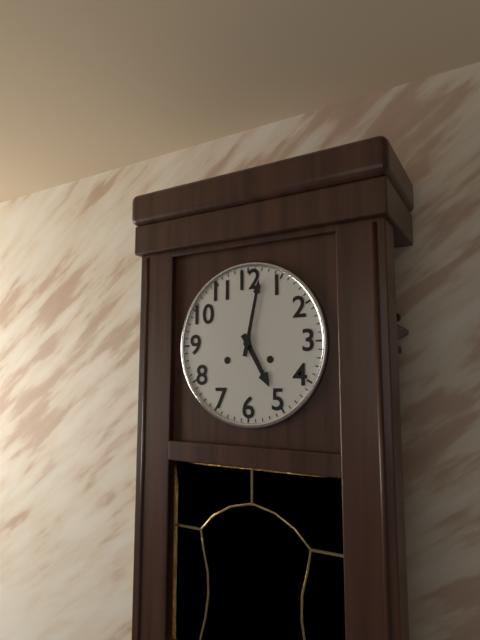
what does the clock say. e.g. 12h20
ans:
5h02
